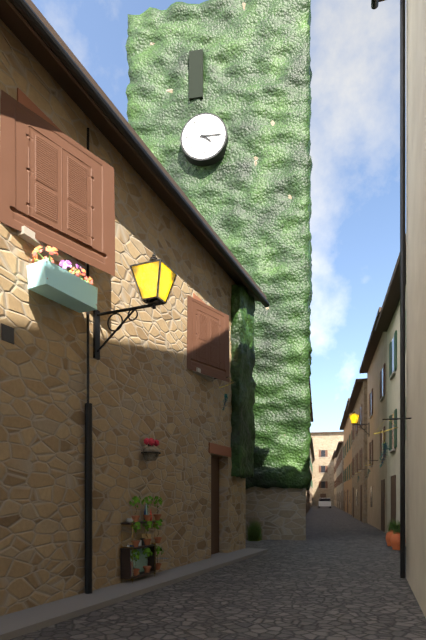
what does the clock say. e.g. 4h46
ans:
4h15
